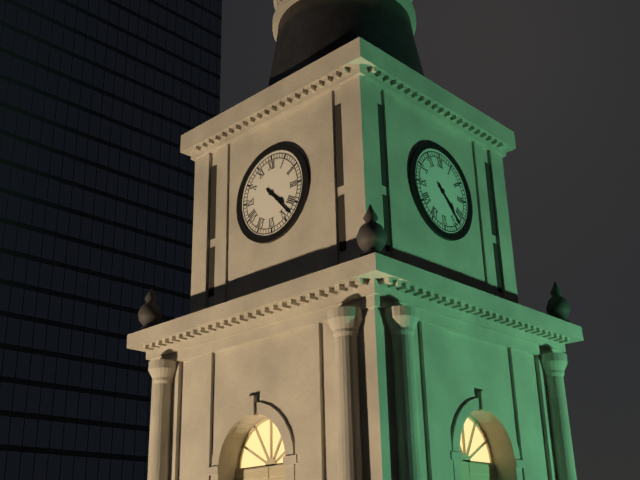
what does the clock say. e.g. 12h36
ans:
4h23
